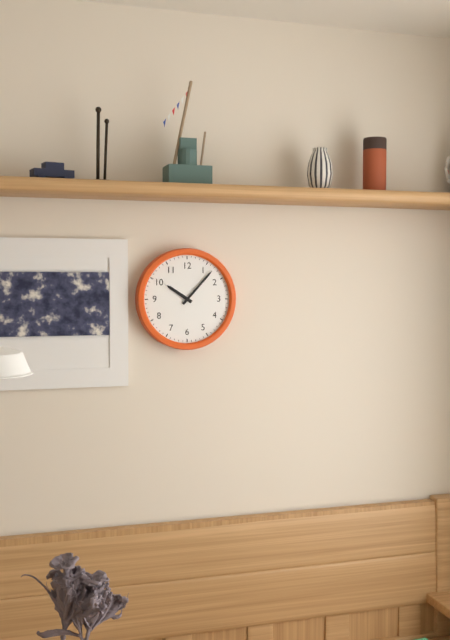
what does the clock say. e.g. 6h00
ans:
10h07
